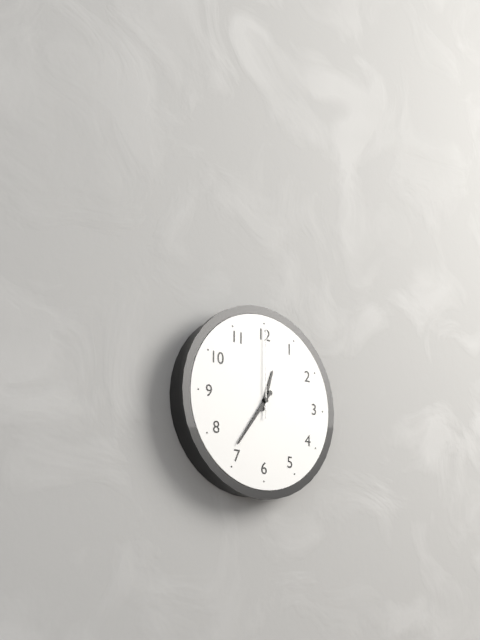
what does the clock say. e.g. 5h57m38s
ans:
12h36m00s
